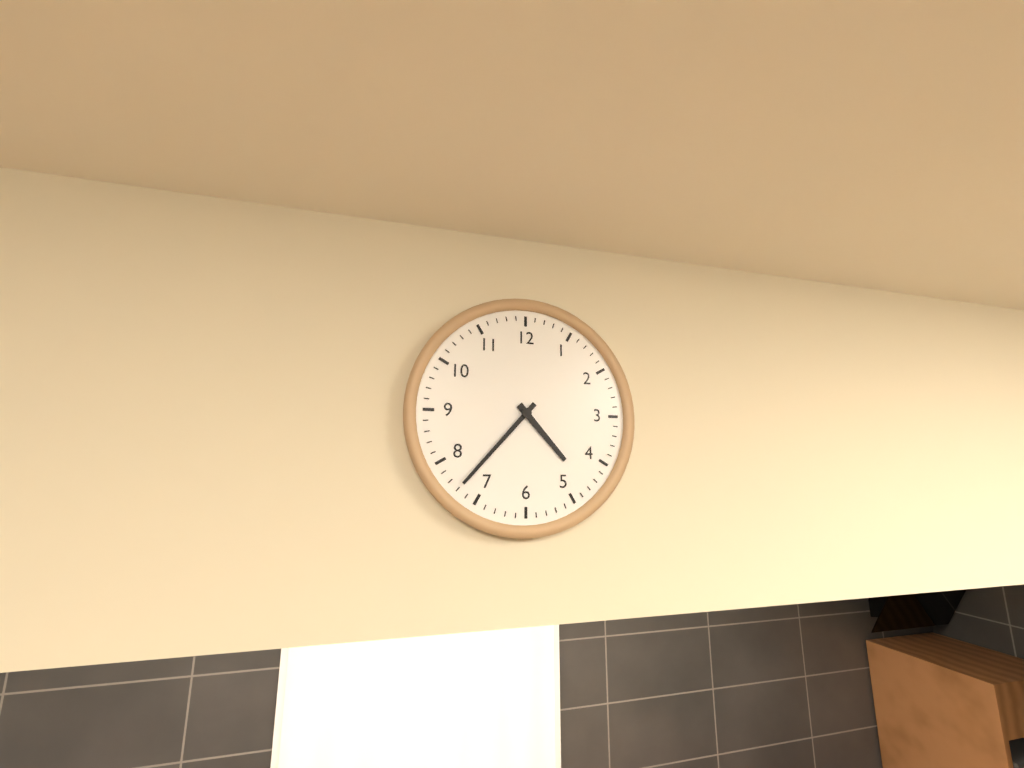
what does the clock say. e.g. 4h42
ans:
4h37
